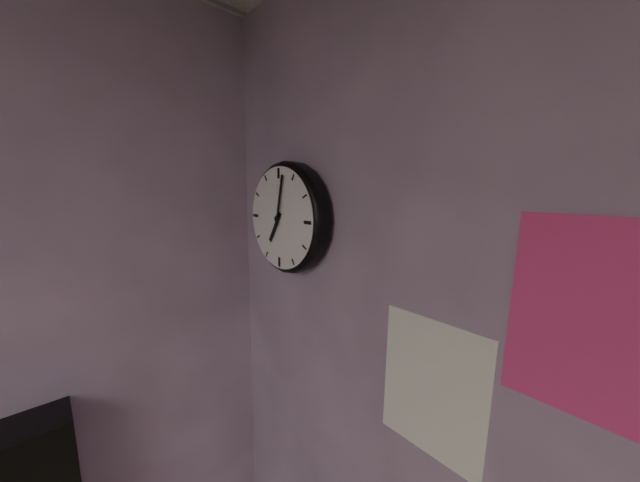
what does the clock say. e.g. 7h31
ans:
7h02
